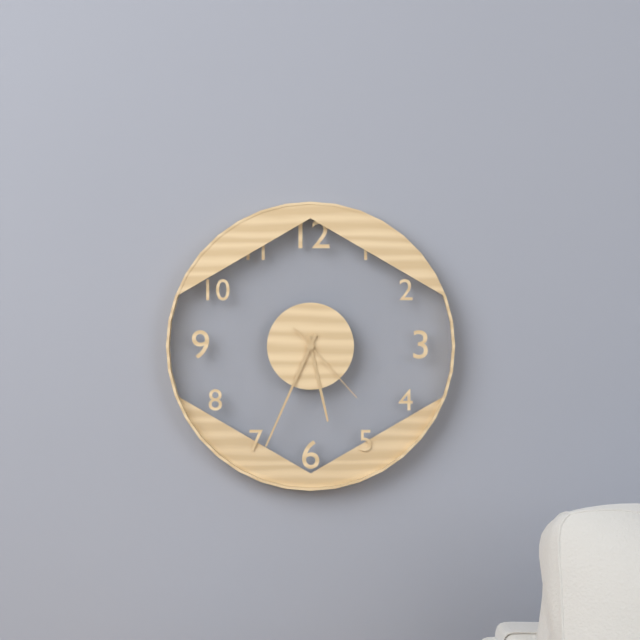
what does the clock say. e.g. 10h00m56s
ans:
5h34m23s
